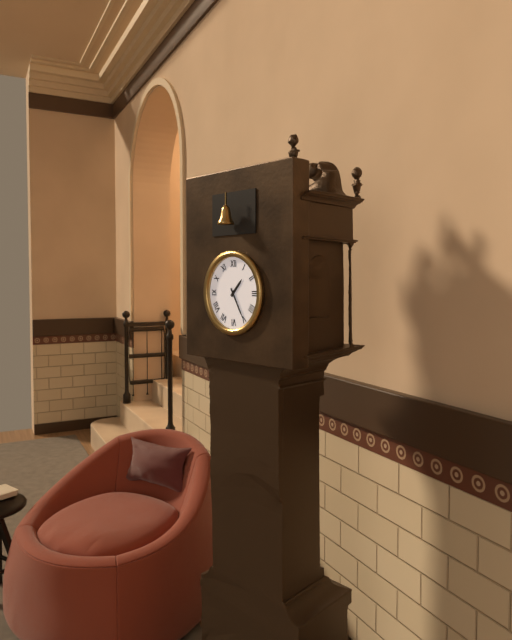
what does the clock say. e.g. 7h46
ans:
1h25
